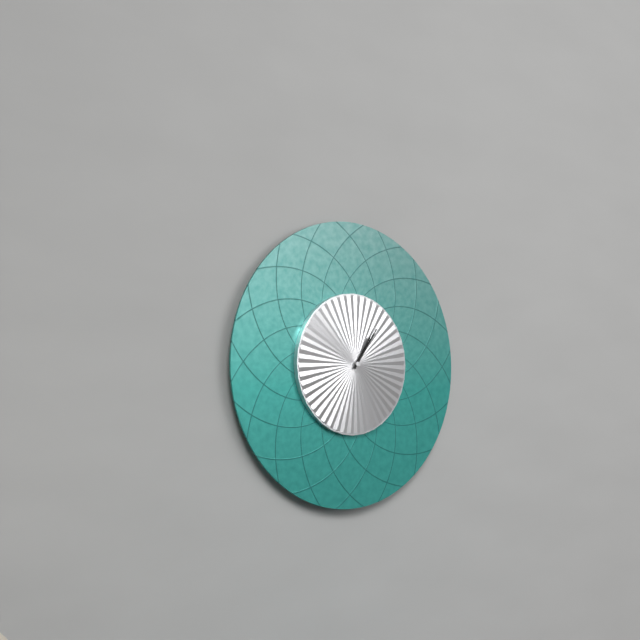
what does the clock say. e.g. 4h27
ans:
1h06
